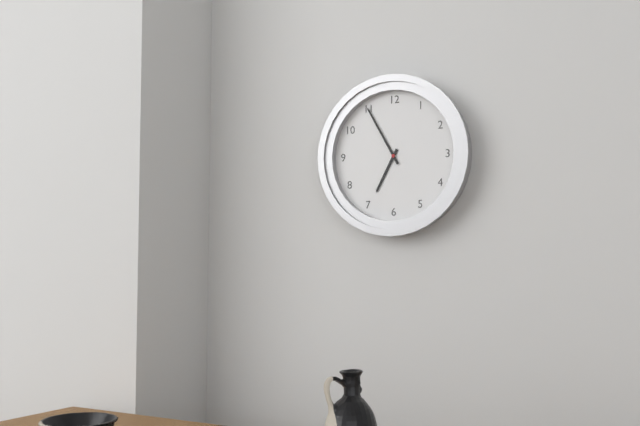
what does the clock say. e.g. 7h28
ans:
6h55
